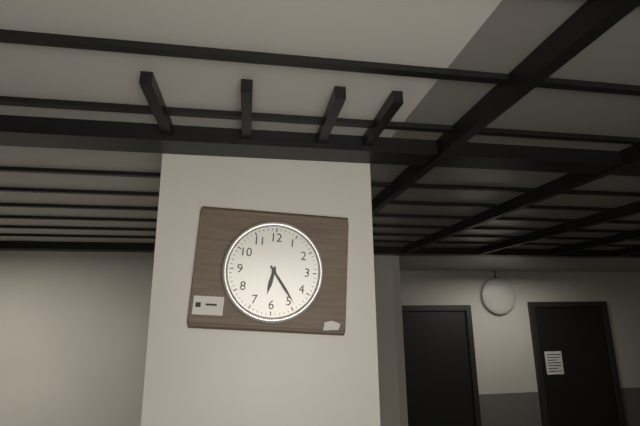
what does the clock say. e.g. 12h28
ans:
6h24
